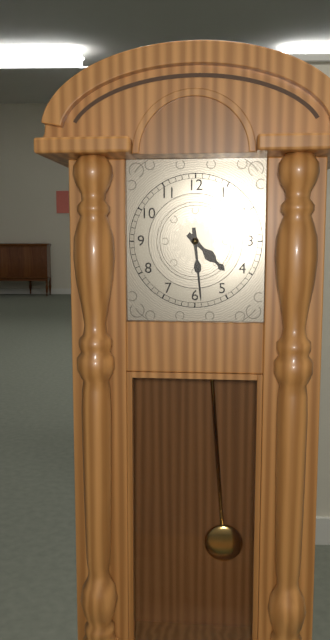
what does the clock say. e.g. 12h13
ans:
4h29
